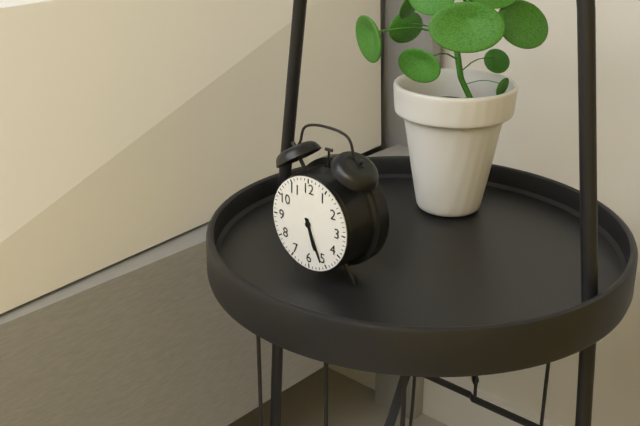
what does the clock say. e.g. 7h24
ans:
5h26
